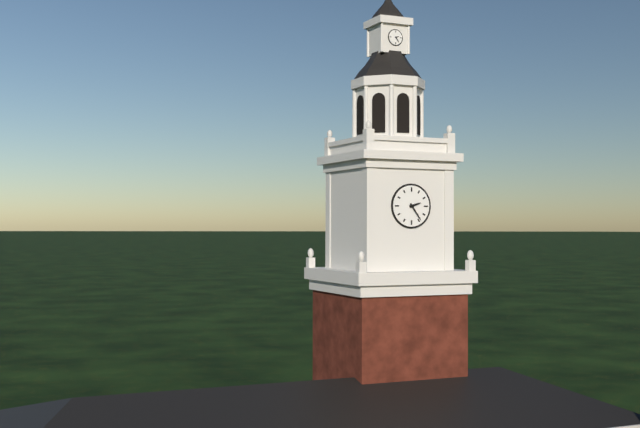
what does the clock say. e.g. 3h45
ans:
2h24
